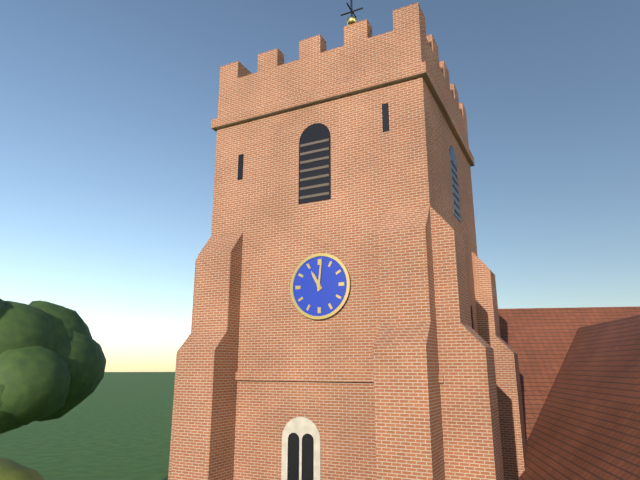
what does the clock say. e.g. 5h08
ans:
11h01
